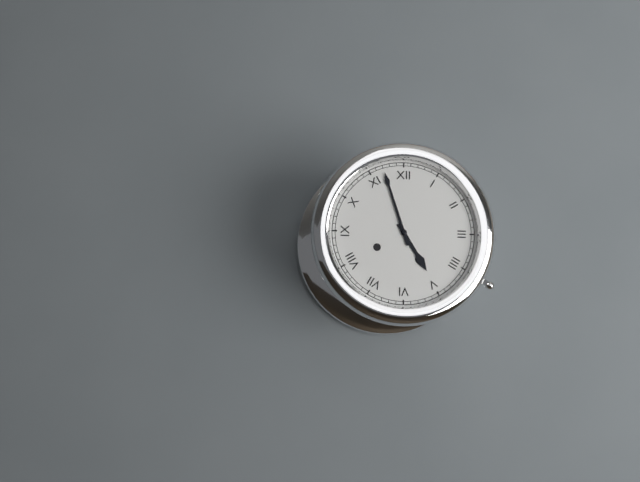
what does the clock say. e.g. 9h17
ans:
4h57
